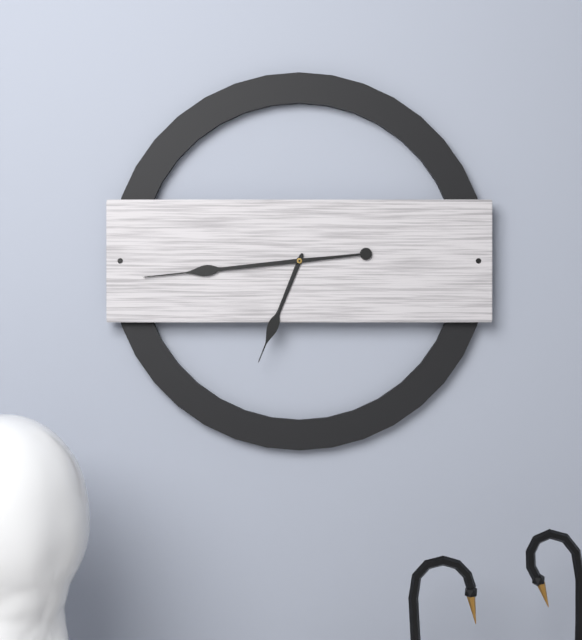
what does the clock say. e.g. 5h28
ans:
6h44
